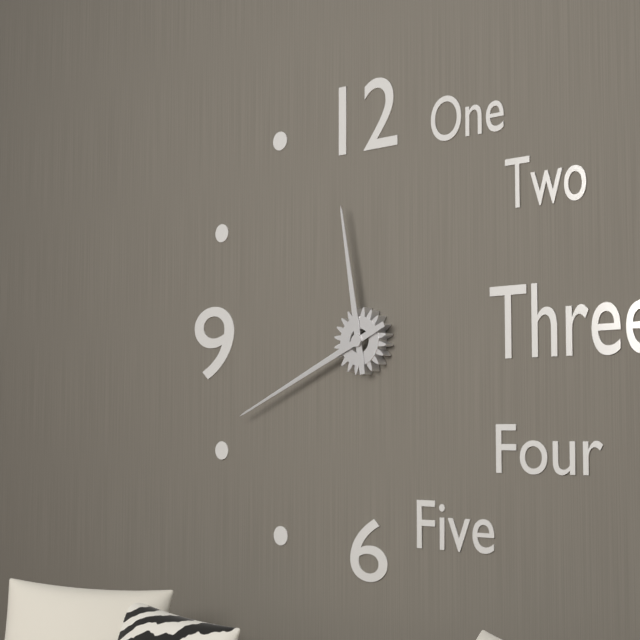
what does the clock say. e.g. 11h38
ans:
11h41
